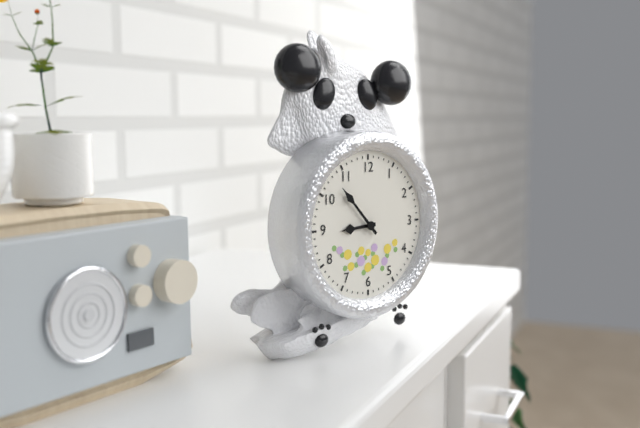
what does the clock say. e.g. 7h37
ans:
8h53
